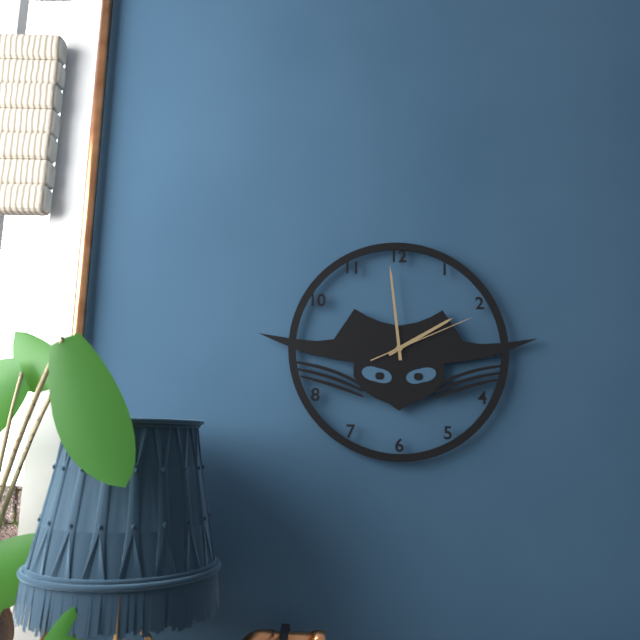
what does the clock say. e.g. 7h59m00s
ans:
1h59m11s
